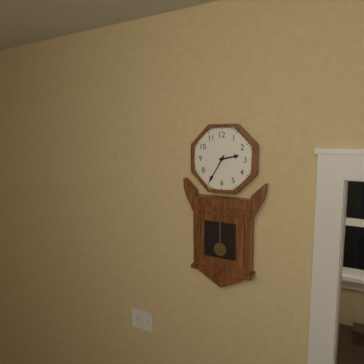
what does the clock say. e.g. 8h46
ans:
2h35
